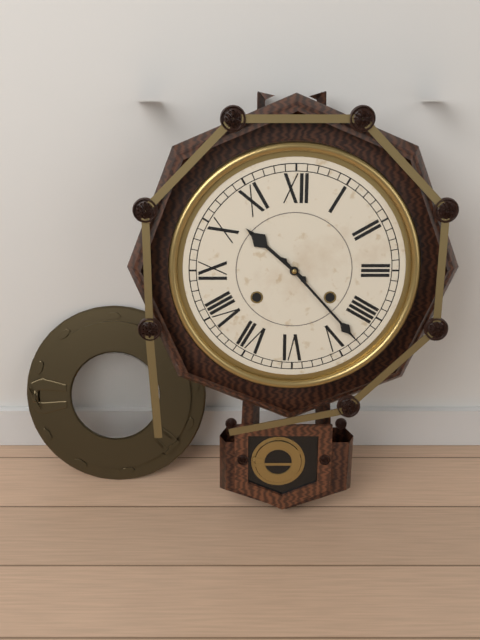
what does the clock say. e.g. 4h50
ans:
10h23
